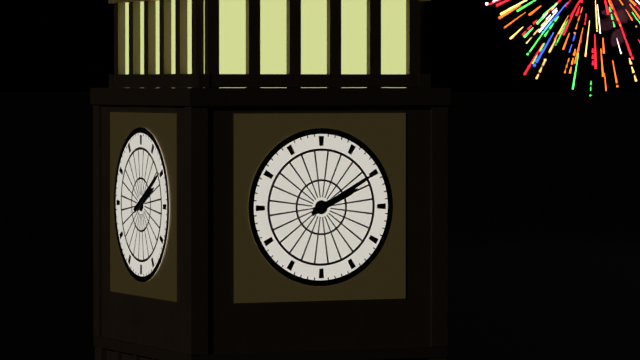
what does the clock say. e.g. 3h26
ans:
2h10
